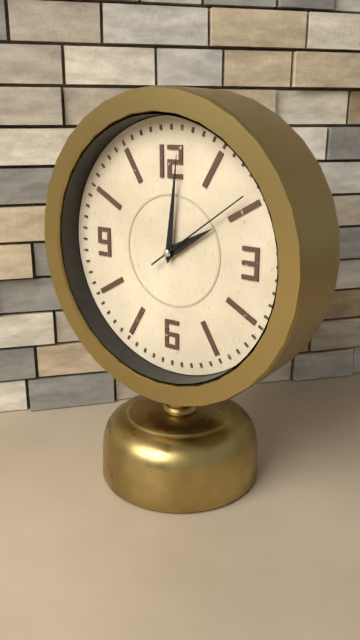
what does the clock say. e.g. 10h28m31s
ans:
2h01m09s
